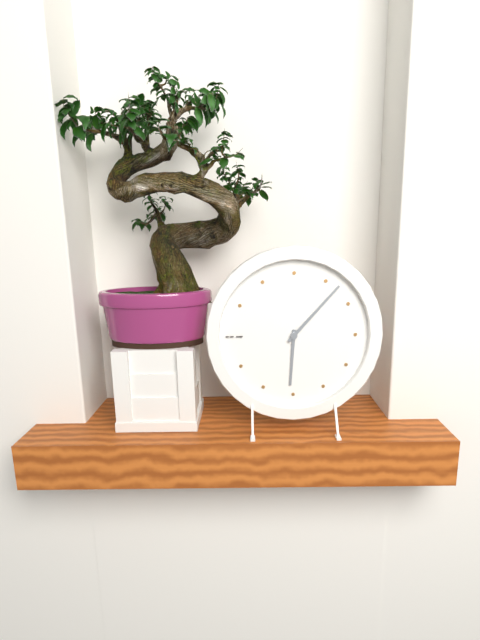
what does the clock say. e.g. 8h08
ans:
6h07
